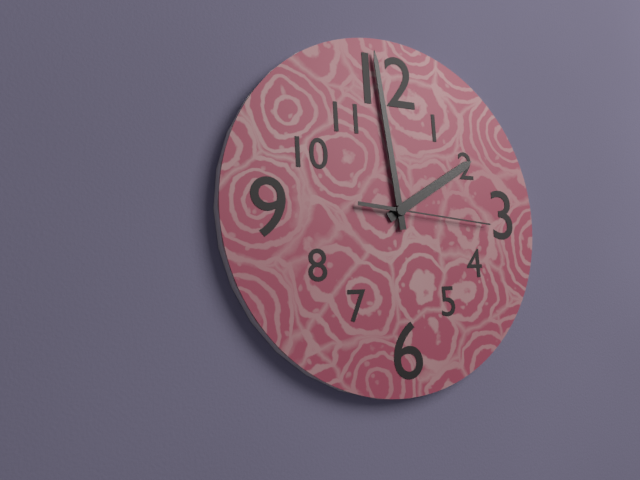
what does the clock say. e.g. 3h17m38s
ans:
1h59m16s
